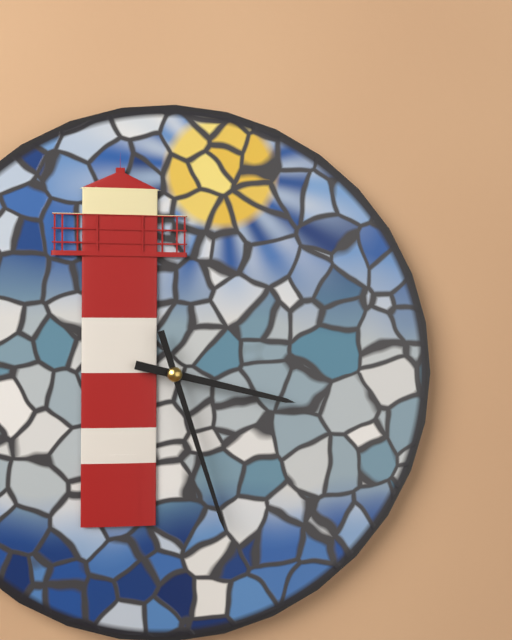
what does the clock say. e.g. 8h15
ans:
3h27
